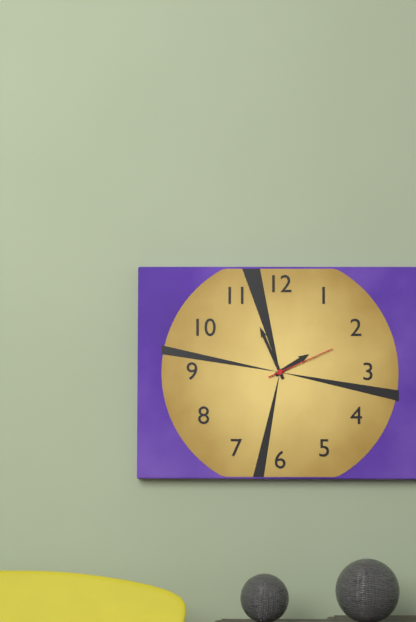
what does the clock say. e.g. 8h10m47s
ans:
1h56m11s
